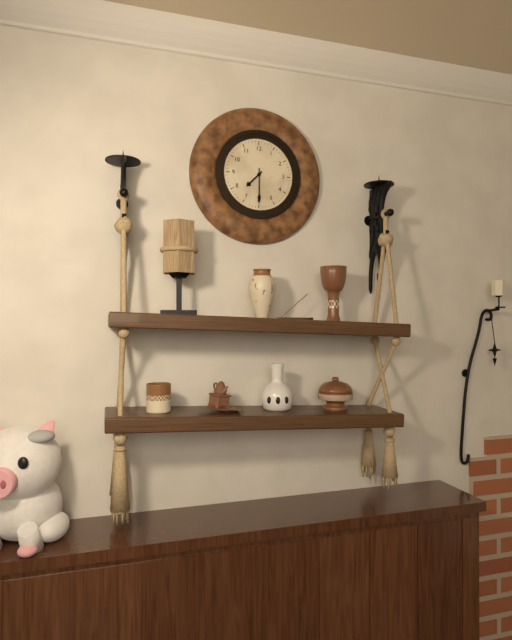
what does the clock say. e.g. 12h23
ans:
7h30
